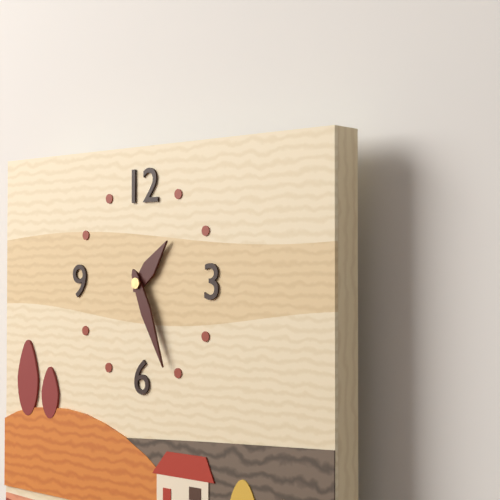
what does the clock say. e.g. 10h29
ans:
1h26
